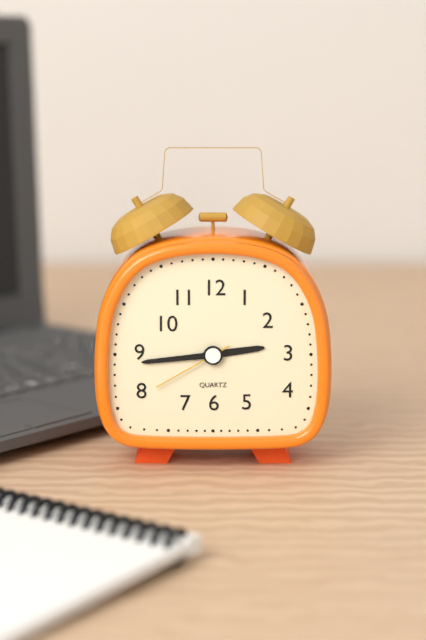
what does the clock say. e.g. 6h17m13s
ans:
2h44m40s
